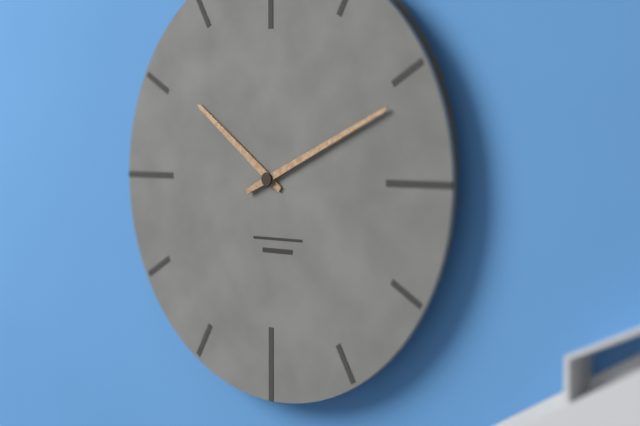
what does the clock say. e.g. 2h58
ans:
10h11
